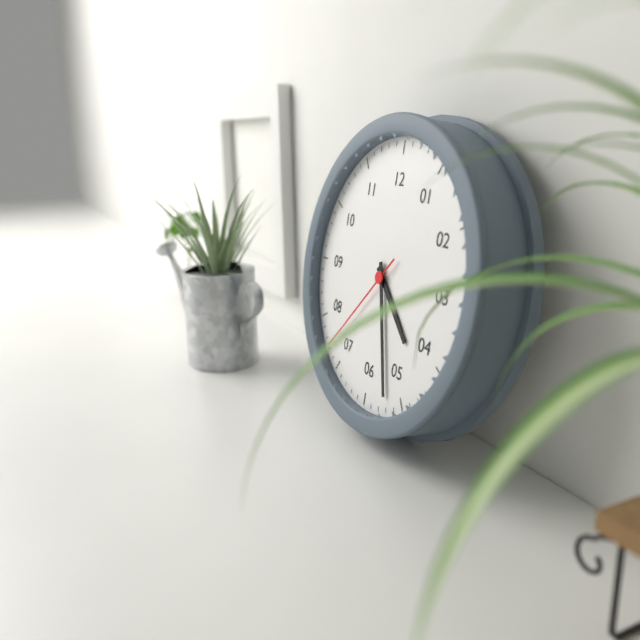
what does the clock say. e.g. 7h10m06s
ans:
4h27m37s
